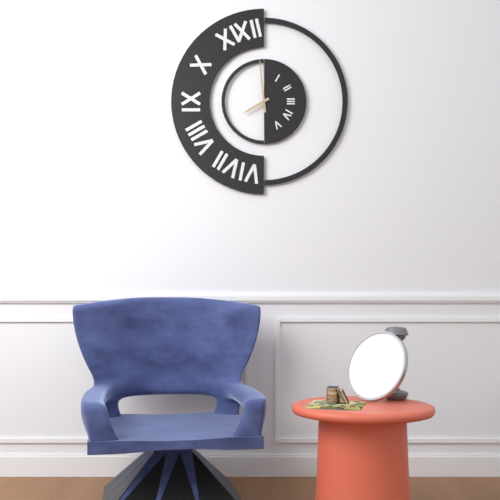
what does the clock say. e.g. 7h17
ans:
7h59
